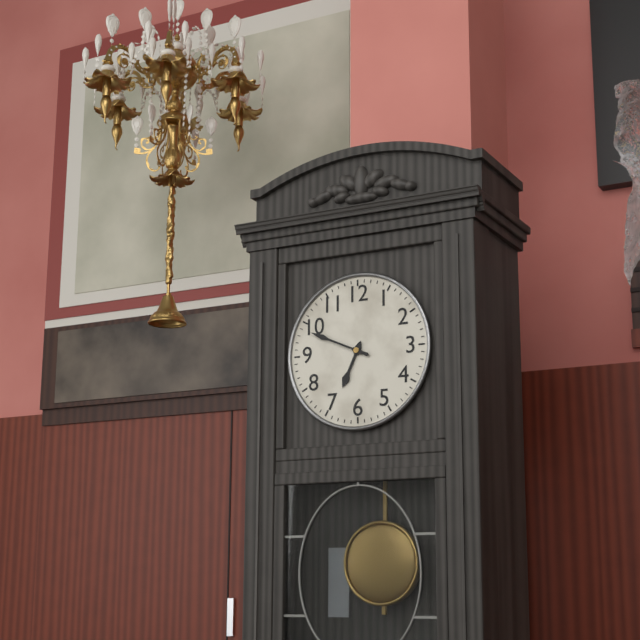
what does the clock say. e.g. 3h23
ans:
6h49
